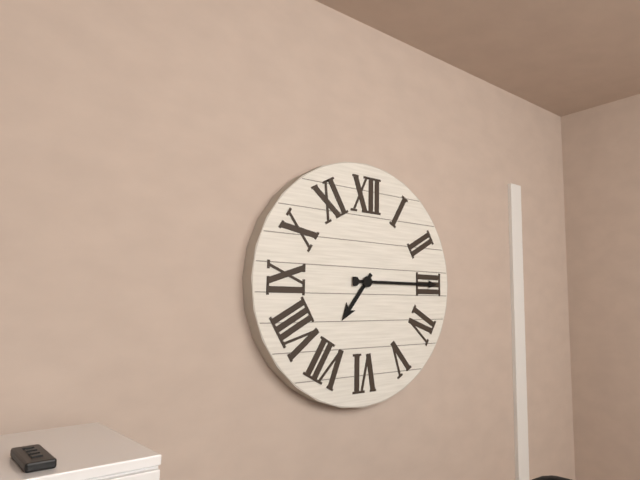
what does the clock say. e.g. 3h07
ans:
7h15
